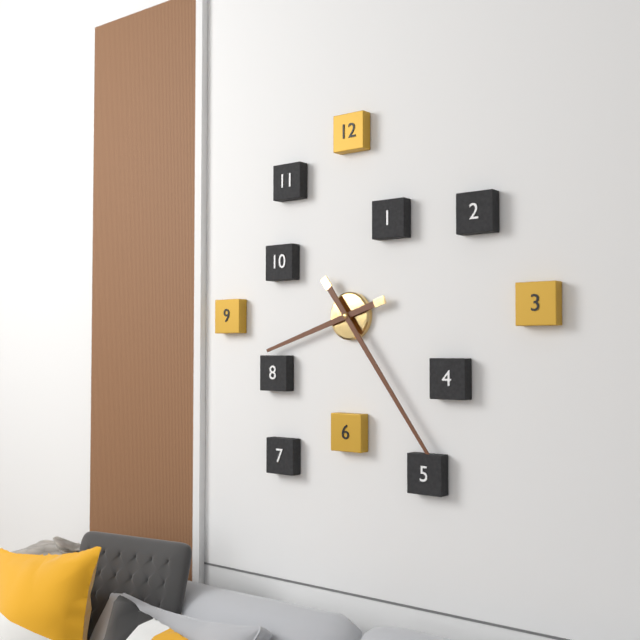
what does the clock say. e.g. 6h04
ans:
8h24
